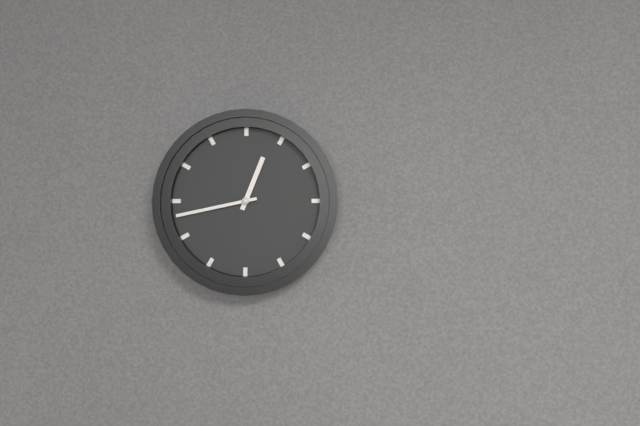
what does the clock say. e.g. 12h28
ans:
12h43
